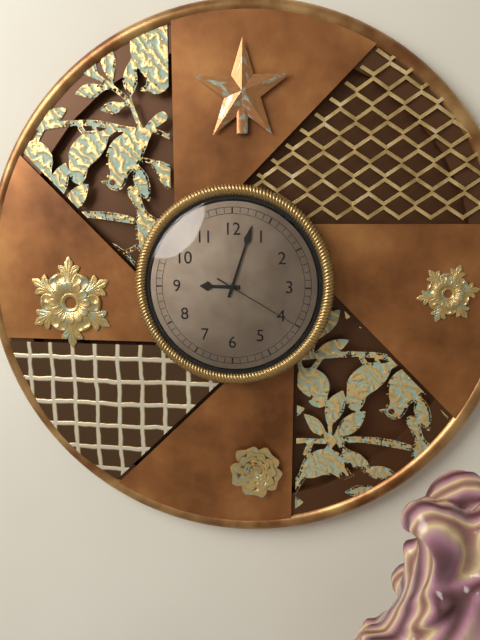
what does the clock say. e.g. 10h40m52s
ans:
9h03m20s
